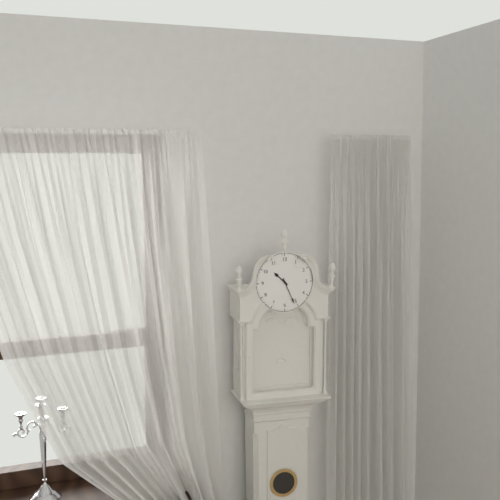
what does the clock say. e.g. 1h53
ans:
10h26
